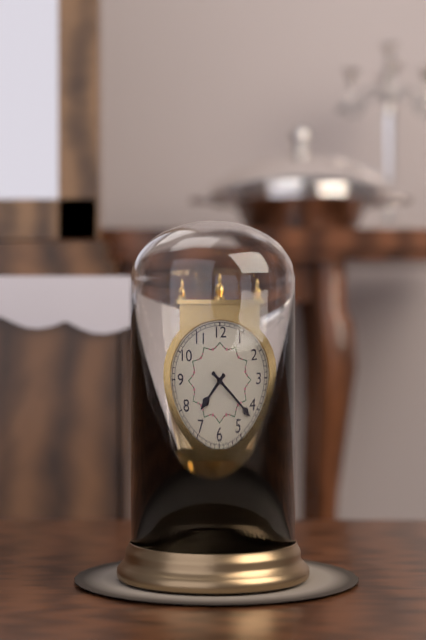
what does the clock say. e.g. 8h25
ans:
7h22
